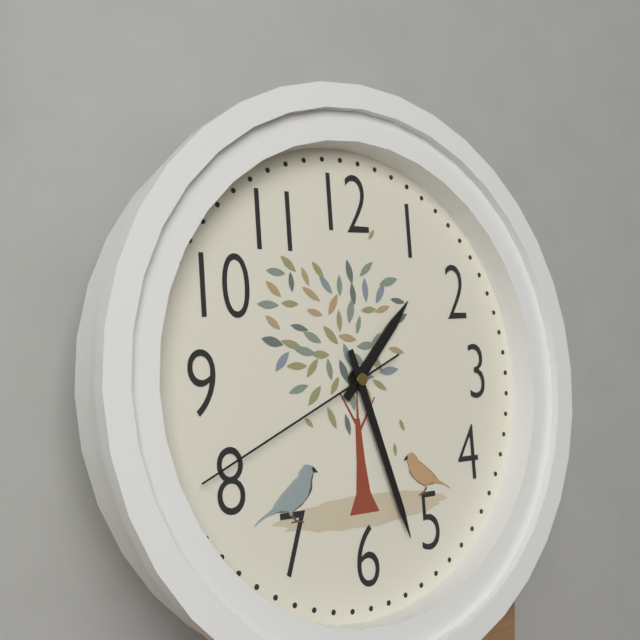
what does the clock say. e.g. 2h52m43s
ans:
1h27m41s
